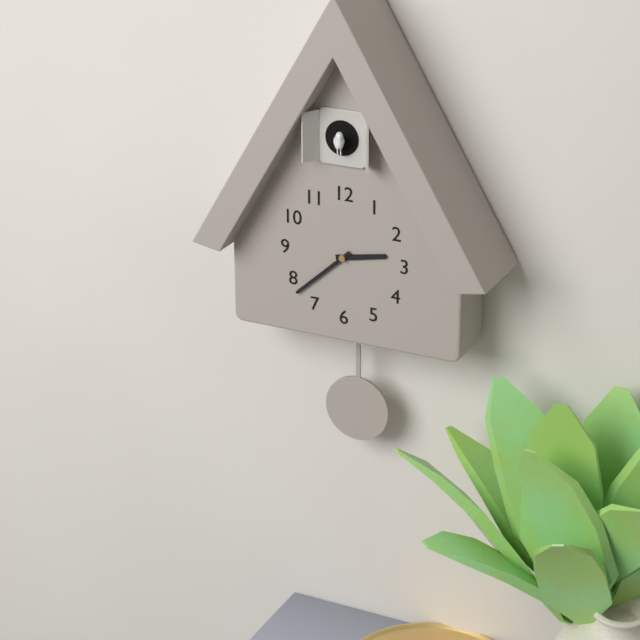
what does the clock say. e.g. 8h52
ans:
2h38
